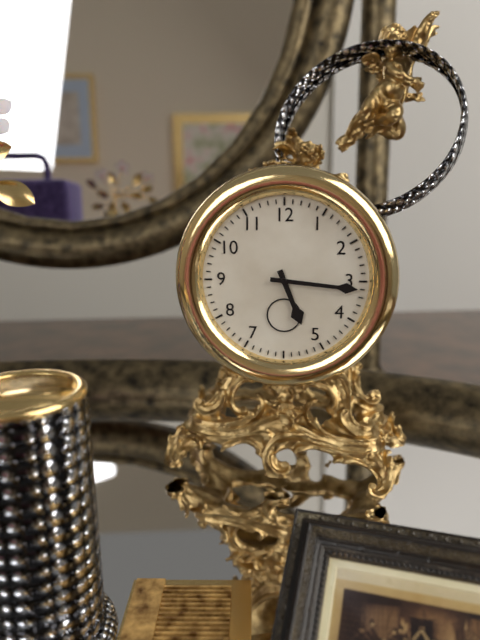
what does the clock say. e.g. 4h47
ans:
5h16
